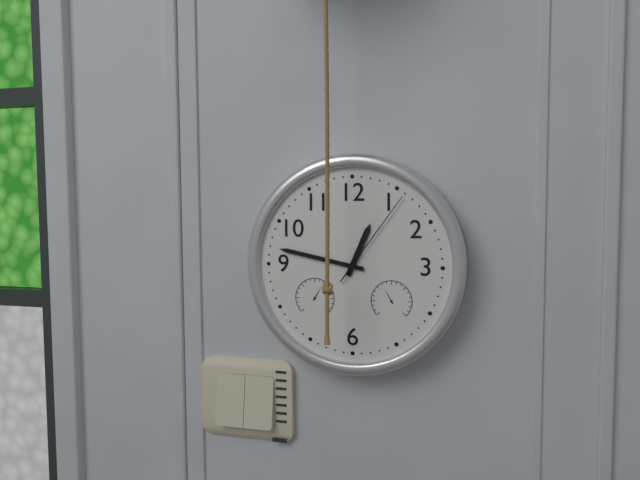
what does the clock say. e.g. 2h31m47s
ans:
12h47m06s
